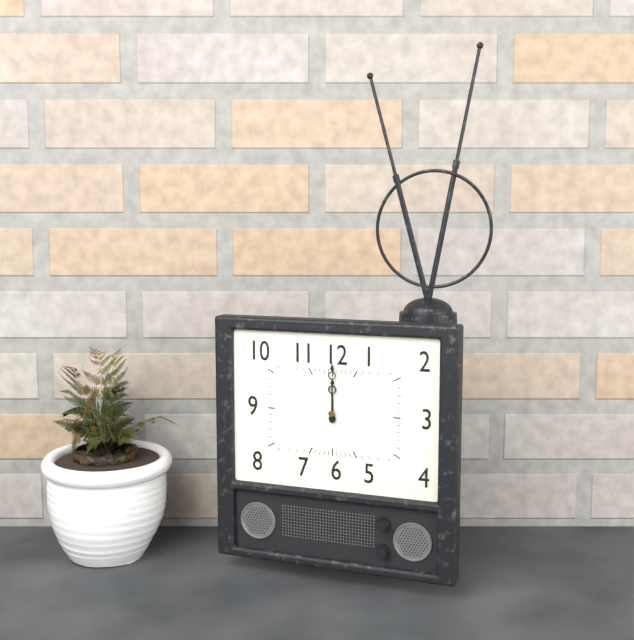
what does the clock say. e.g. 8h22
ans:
12h00
